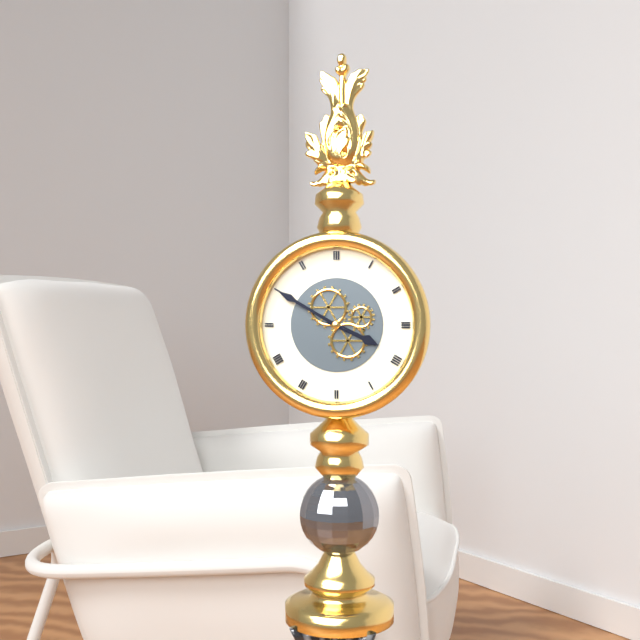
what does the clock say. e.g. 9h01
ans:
3h50
